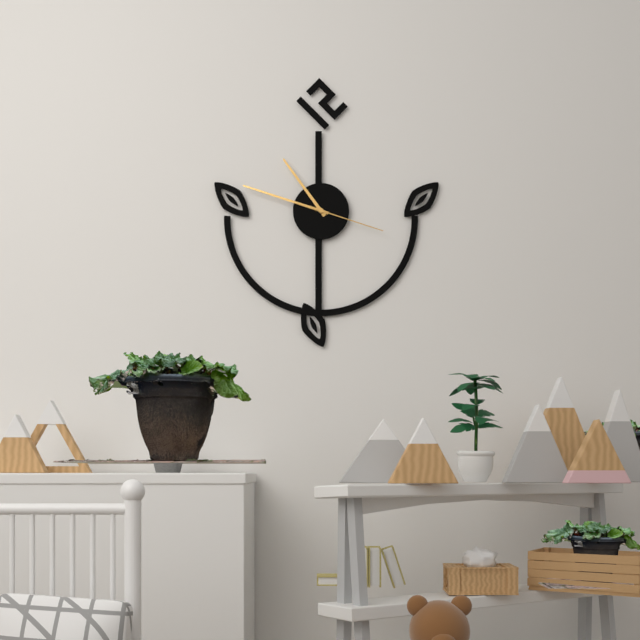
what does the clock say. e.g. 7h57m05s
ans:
10h48m18s
